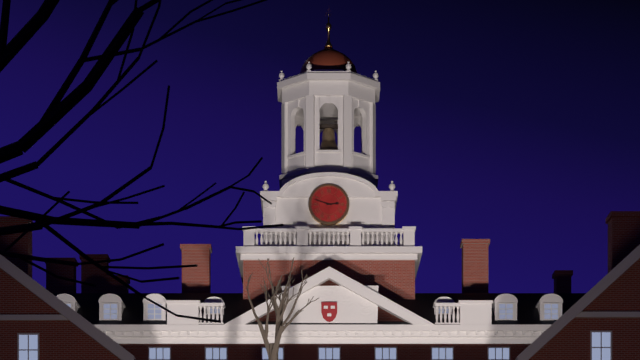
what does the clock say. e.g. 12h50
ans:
2h48
